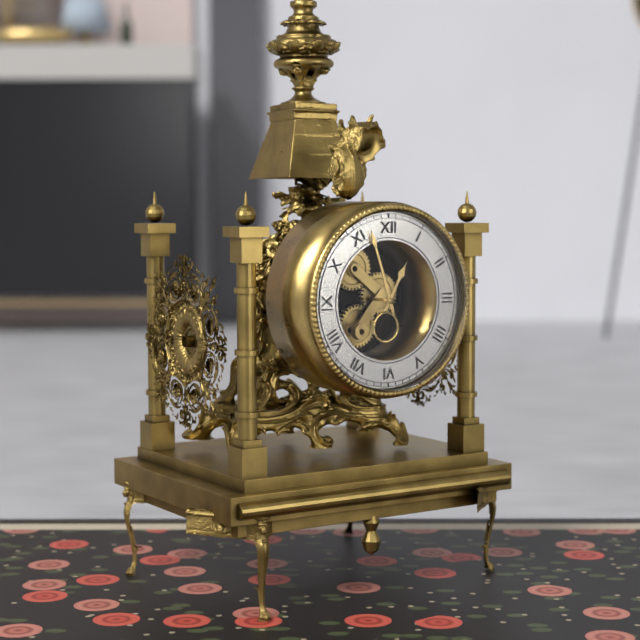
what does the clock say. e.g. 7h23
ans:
12h57
